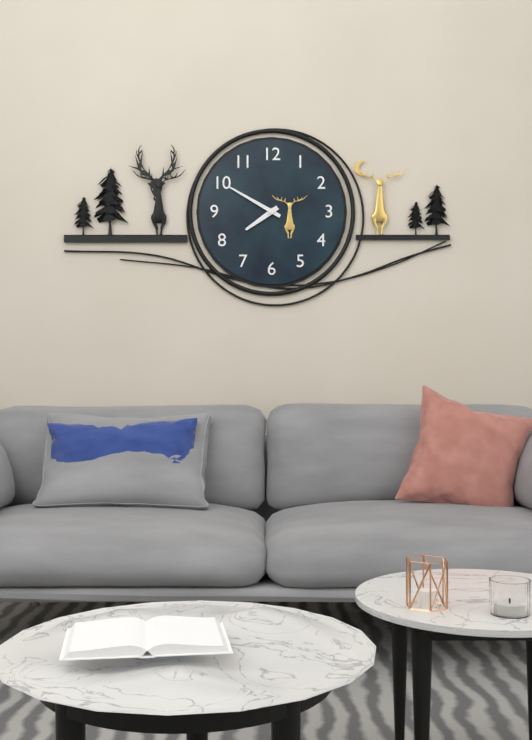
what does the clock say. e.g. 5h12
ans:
7h50
